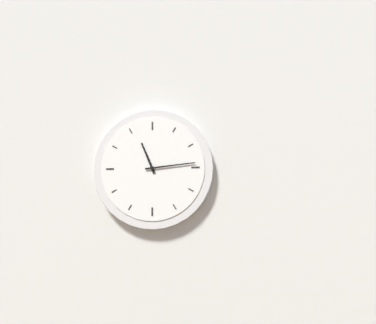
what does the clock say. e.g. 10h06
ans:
11h14
